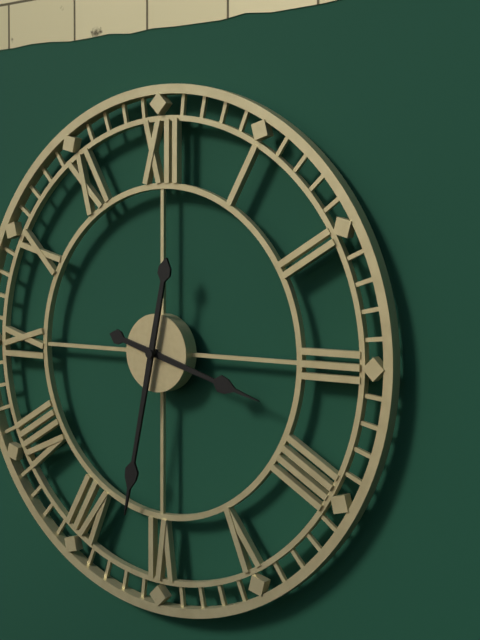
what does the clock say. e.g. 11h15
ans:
3h32
